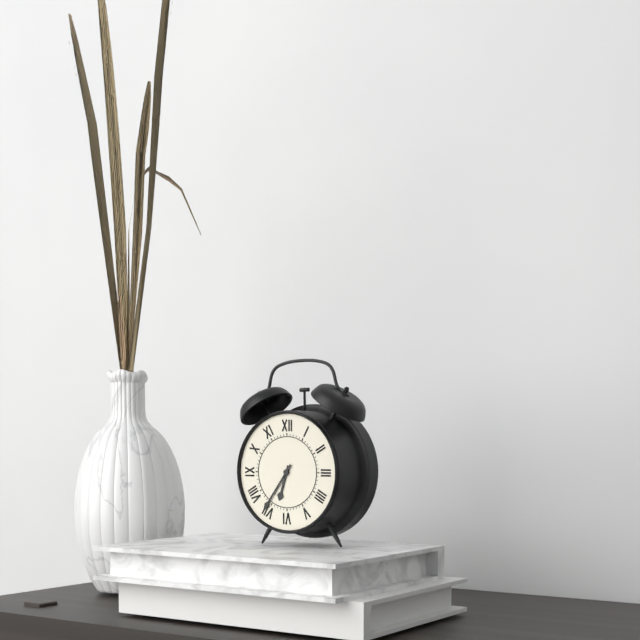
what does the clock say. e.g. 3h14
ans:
6h36
